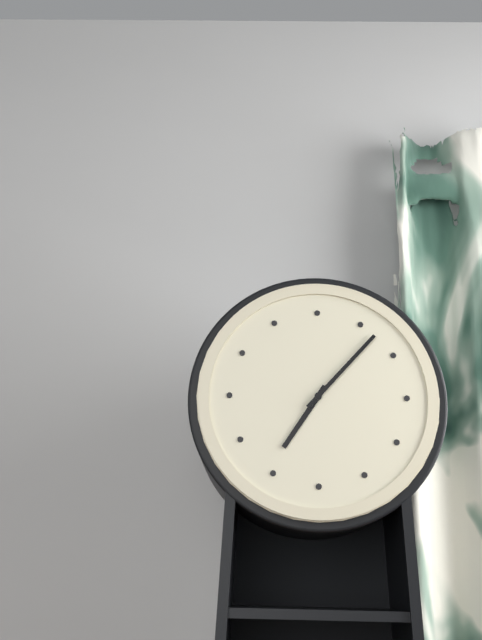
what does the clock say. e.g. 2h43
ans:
7h07
